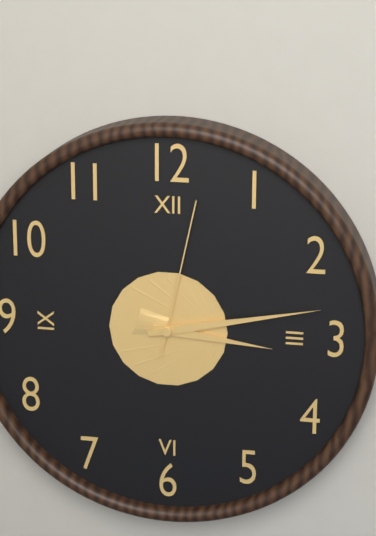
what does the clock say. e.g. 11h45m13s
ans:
3h13m02s
